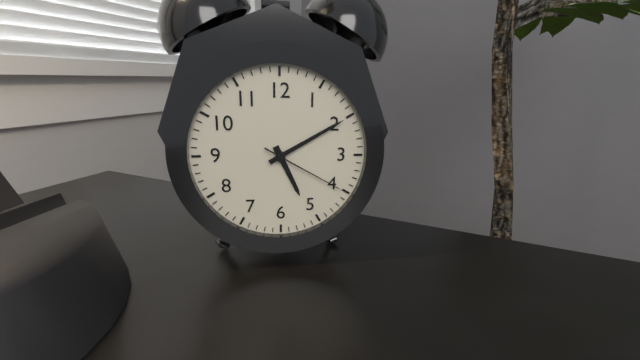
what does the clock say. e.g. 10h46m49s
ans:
5h10m20s
